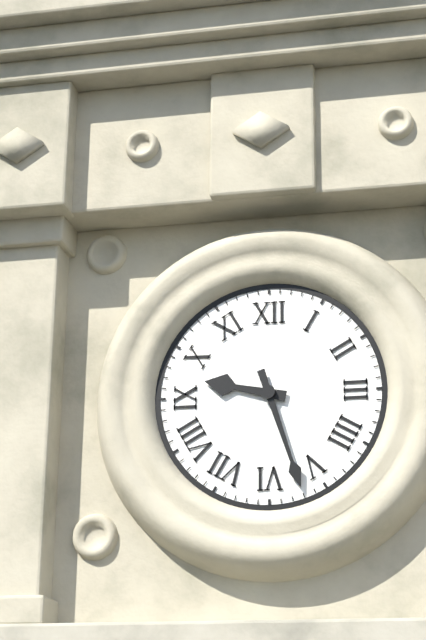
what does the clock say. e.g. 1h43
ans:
9h27
